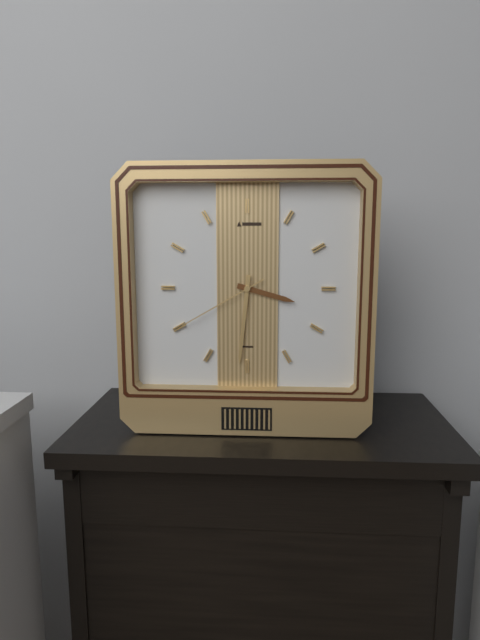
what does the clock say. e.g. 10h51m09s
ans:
3h31m40s
